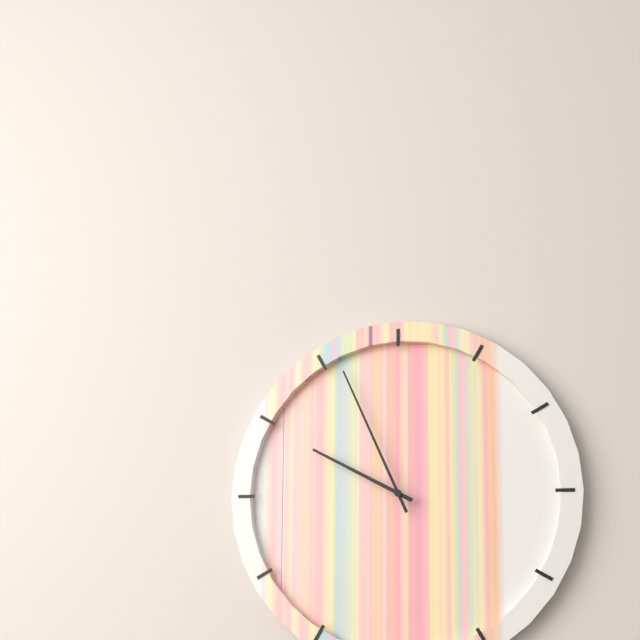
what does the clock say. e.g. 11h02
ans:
9h56
